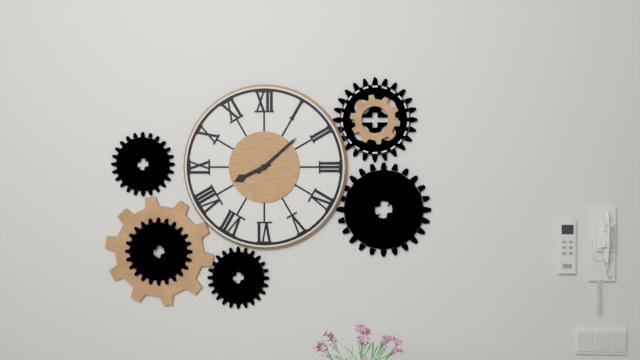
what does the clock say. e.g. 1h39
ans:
8h08
